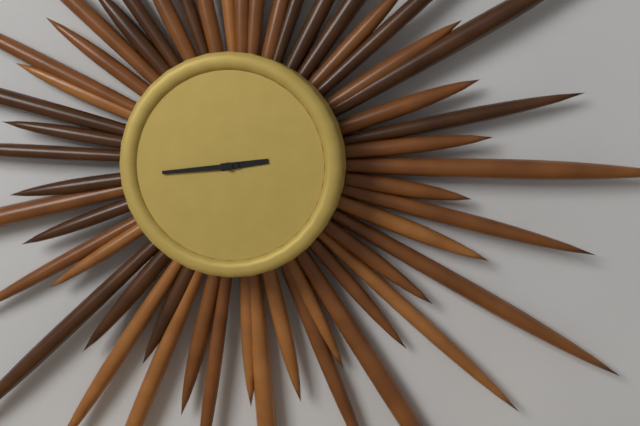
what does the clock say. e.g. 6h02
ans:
2h44
